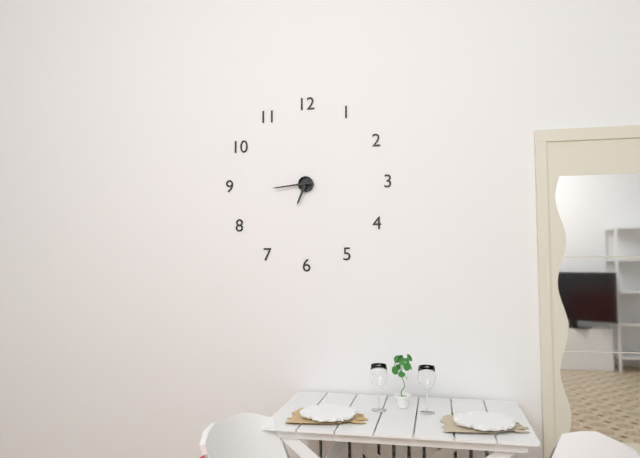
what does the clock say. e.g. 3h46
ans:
6h44
